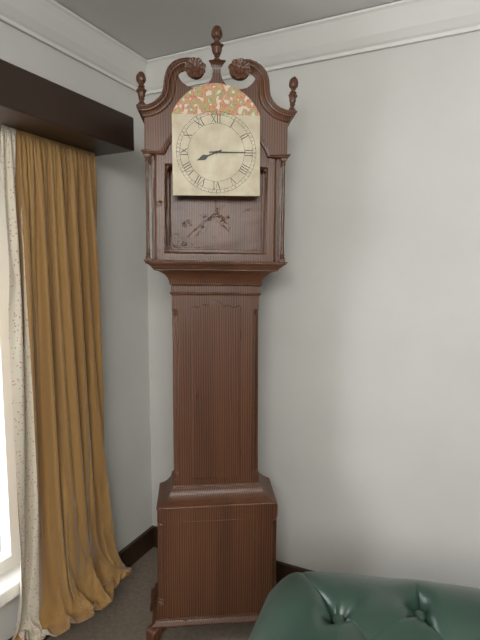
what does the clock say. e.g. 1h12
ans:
8h15
